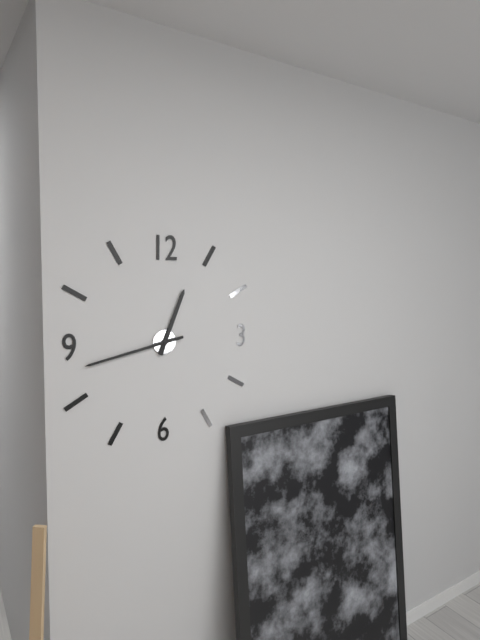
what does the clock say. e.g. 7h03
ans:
12h43
